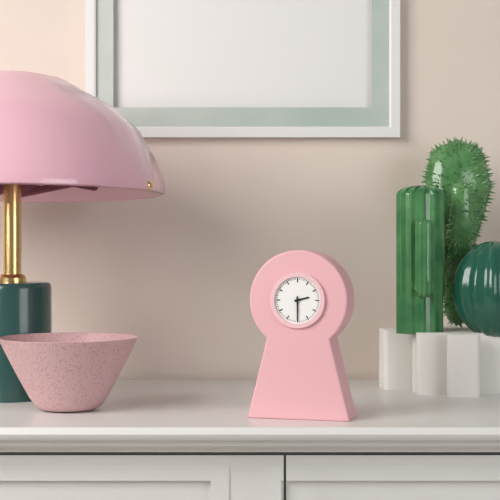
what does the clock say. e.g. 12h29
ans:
2h30
